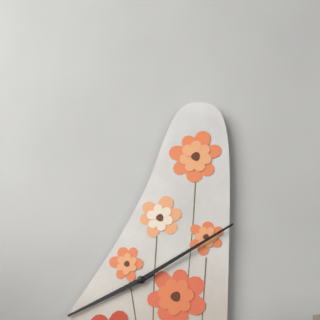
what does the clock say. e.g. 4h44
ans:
8h10
